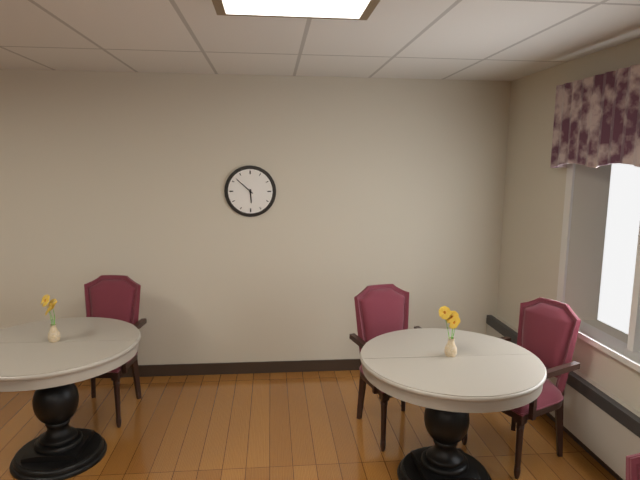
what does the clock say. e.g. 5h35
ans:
5h52
